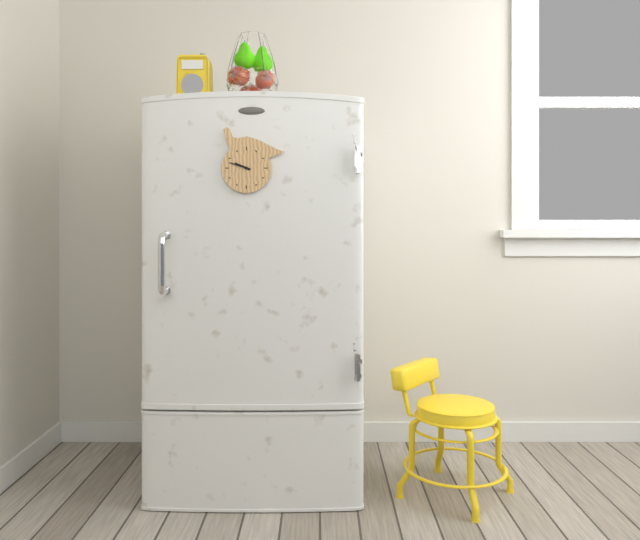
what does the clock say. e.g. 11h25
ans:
9h48
